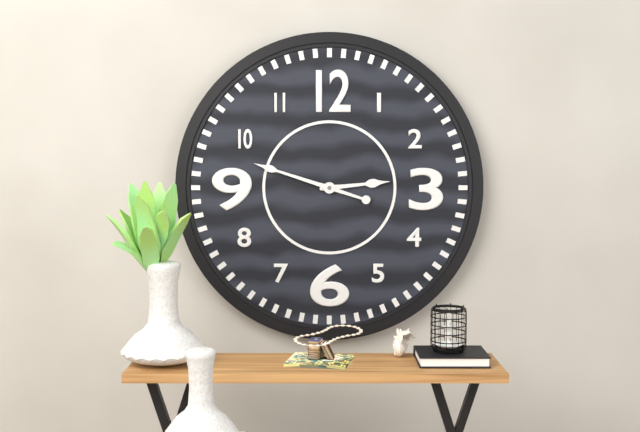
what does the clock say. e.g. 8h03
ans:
2h48
